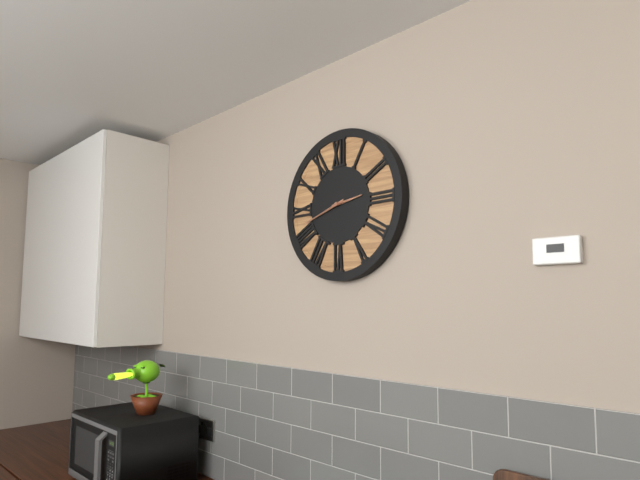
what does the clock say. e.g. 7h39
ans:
2h42
